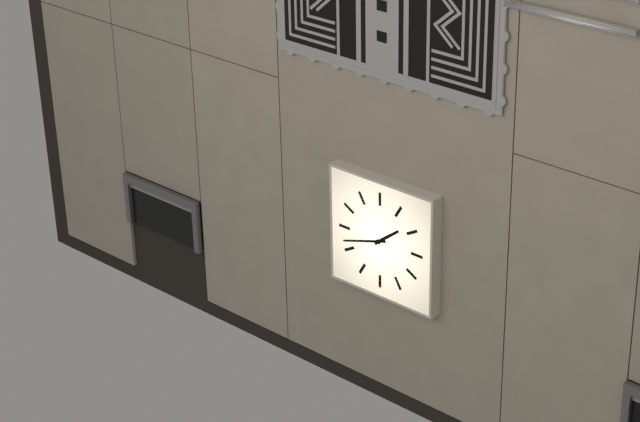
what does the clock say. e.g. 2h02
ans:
1h42
